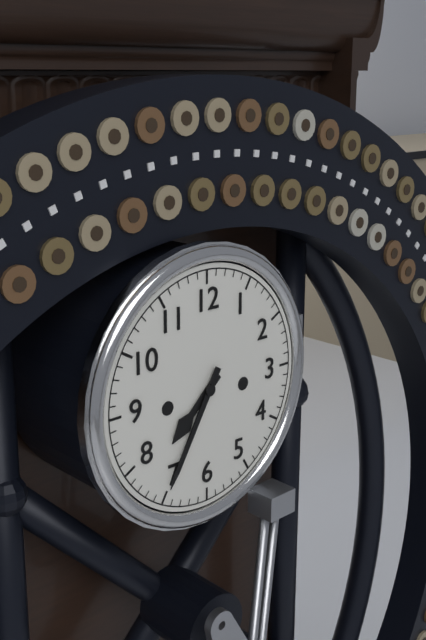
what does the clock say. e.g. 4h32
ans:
7h35
